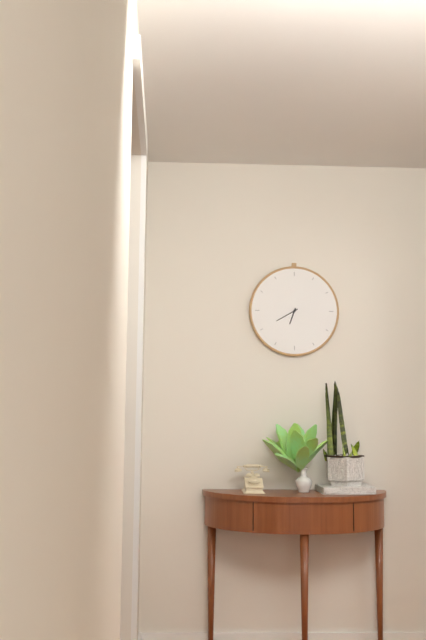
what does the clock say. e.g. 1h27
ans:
6h40
